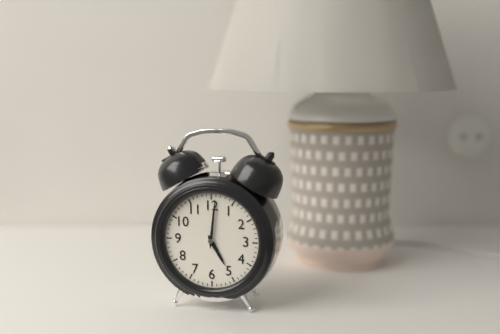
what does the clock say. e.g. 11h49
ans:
5h01
